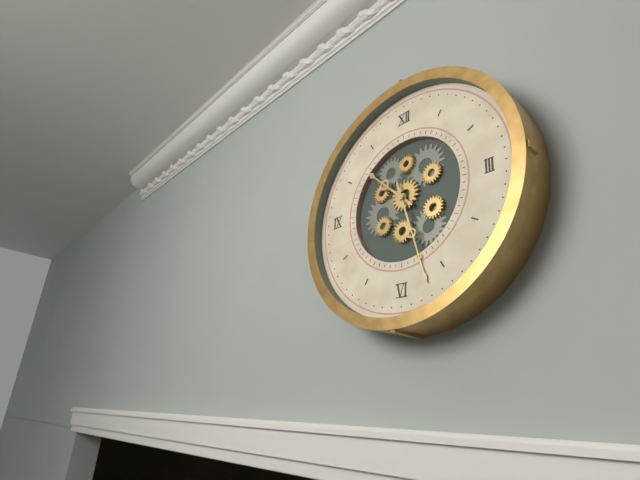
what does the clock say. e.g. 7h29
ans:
10h27
